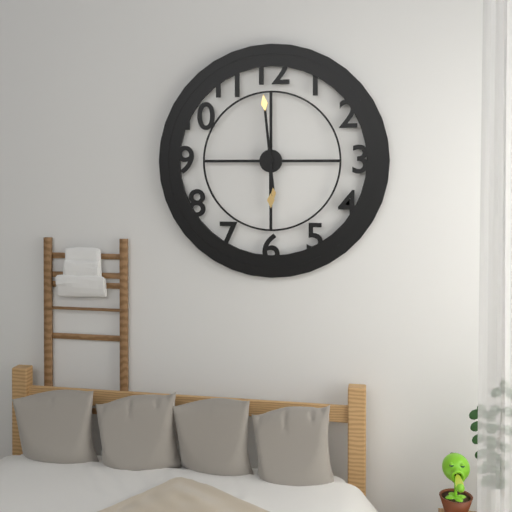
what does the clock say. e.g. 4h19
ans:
5h59
